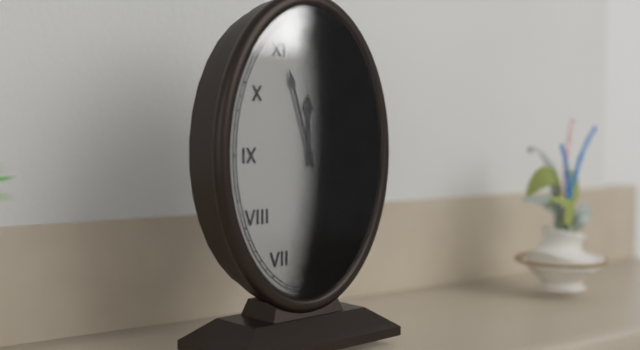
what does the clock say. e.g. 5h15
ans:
11h57
